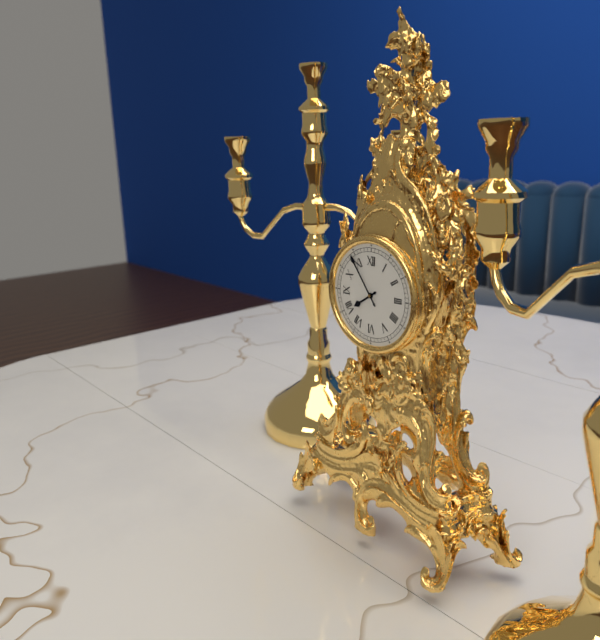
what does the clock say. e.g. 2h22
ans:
7h54
